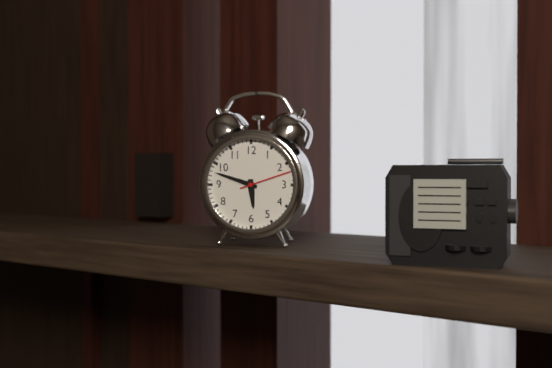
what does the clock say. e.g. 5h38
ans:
5h48
